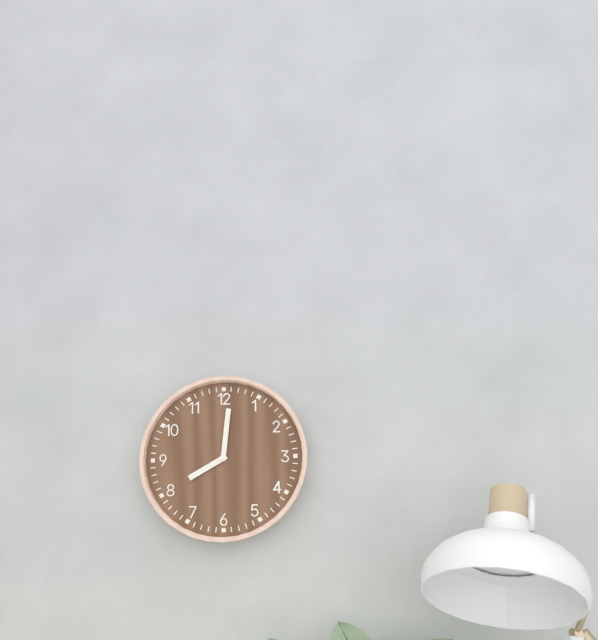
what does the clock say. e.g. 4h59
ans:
8h01
